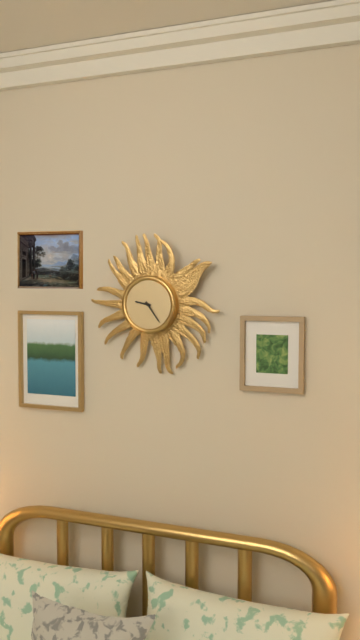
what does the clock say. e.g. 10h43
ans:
9h24
